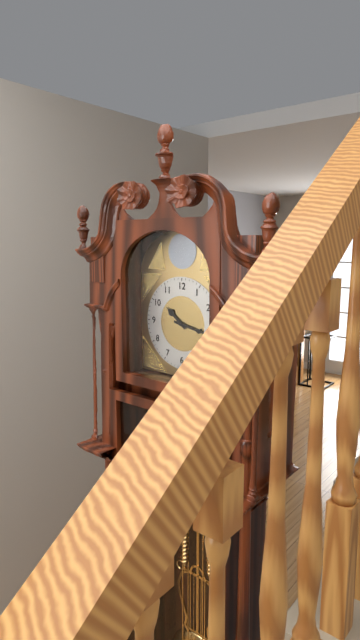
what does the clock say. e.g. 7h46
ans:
10h17
